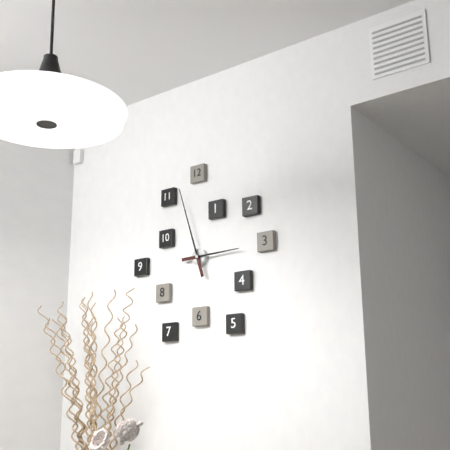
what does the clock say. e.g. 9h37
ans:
2h57
